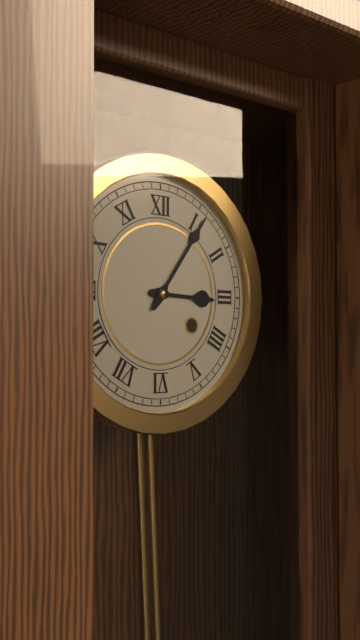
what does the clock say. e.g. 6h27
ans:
3h06
